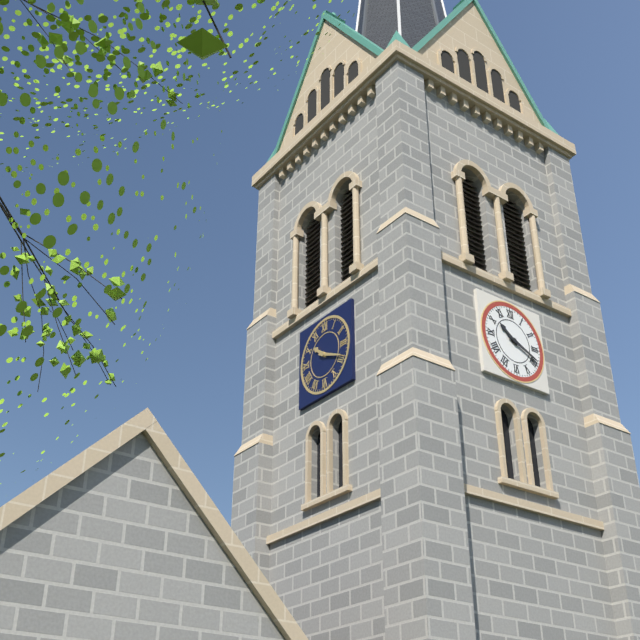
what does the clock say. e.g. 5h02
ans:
10h19
